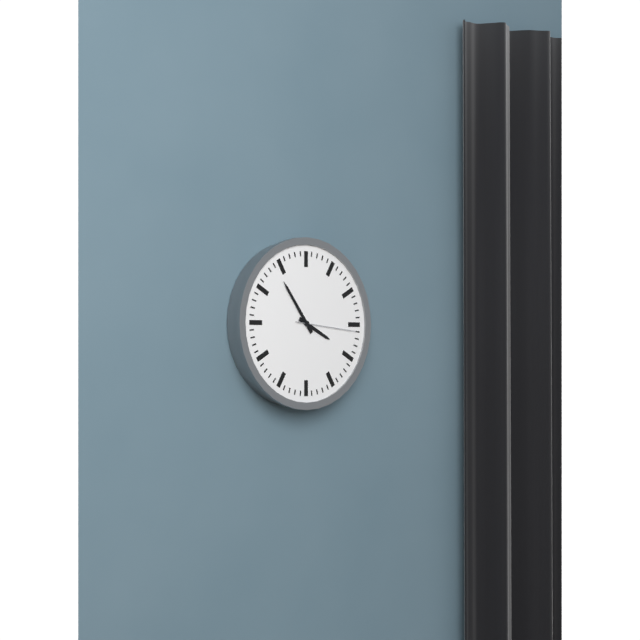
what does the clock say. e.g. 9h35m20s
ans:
3h54m16s
